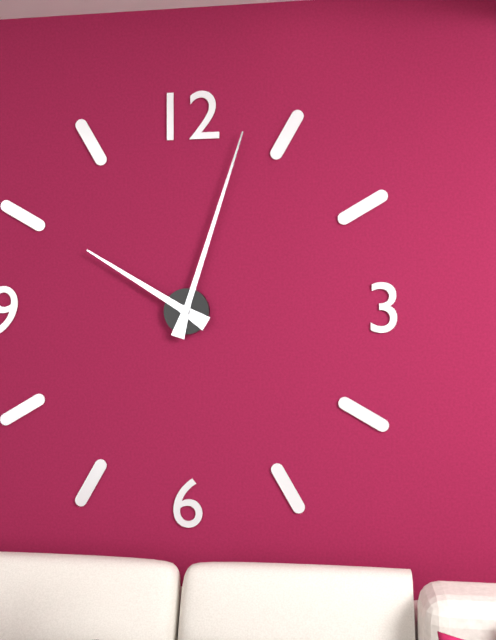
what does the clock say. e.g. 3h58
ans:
10h03
